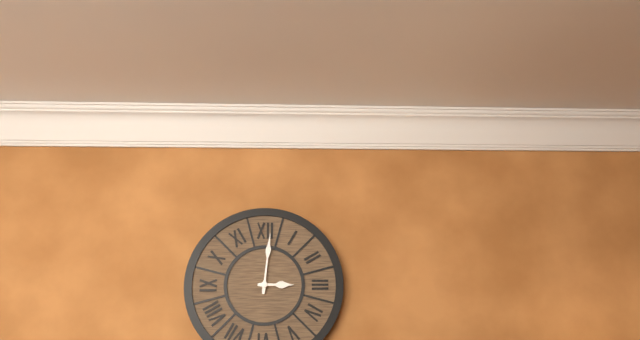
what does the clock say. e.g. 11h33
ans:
3h01
